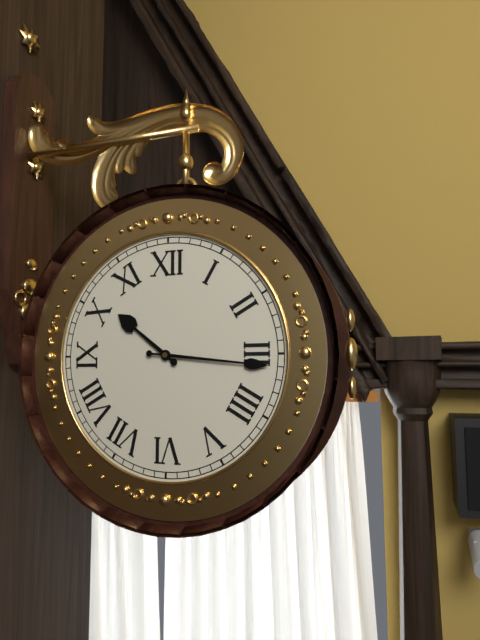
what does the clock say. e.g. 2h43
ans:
10h16
